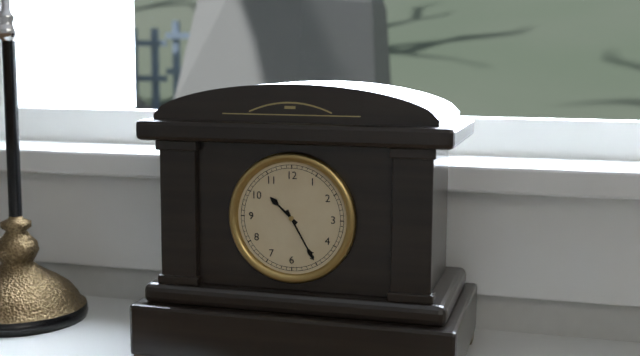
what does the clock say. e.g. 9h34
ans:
10h25
